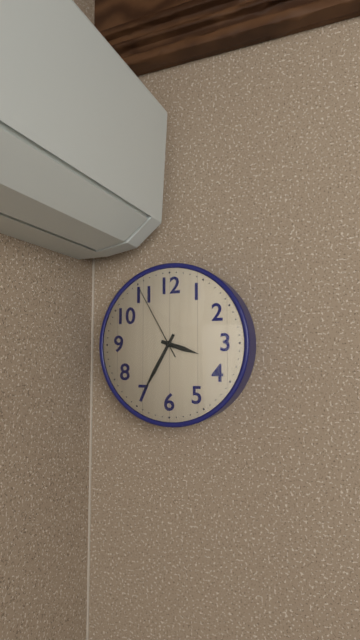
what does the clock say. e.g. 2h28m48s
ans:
3h35m55s
